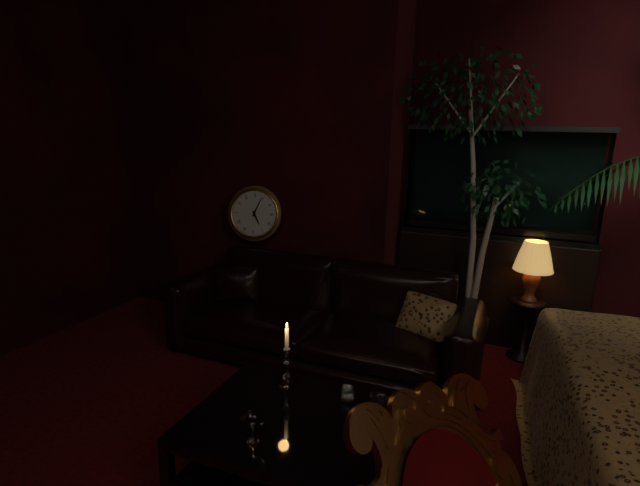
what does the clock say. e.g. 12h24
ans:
5h04
